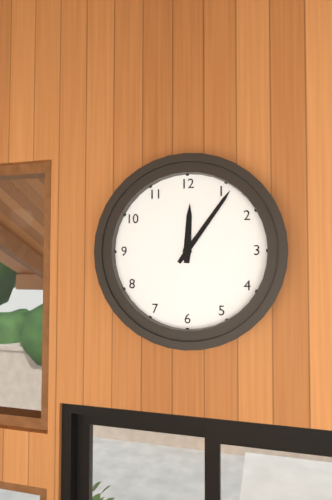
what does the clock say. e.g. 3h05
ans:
12h06
